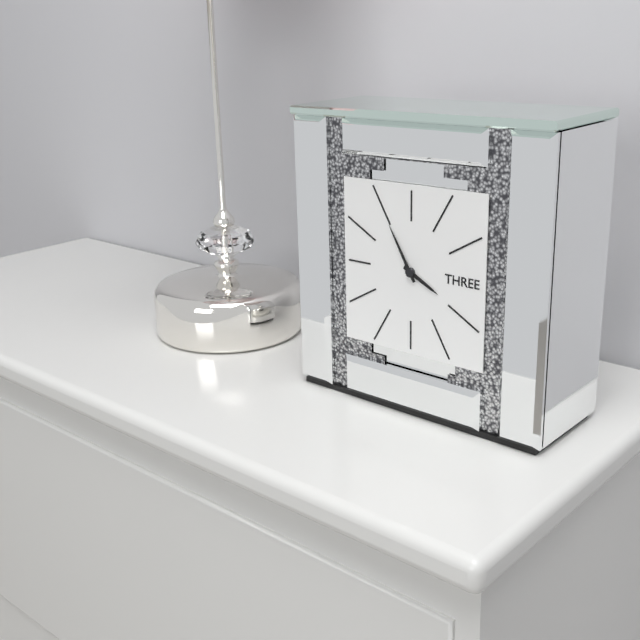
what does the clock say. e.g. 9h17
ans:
3h55
